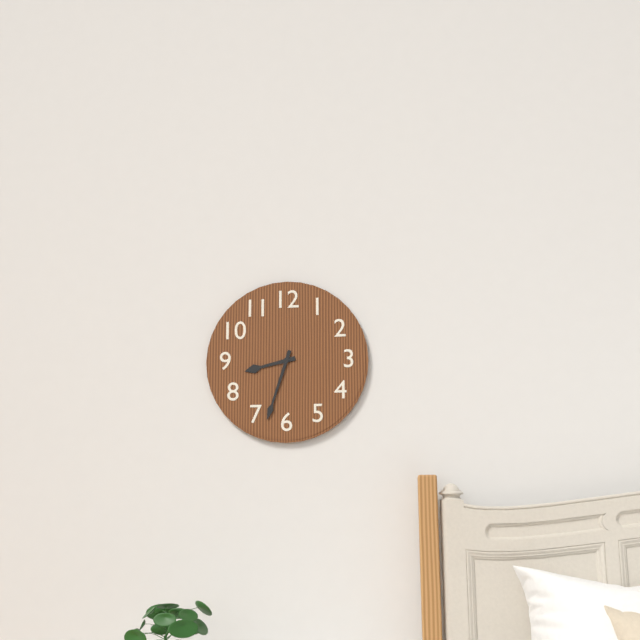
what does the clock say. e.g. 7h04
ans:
8h33
